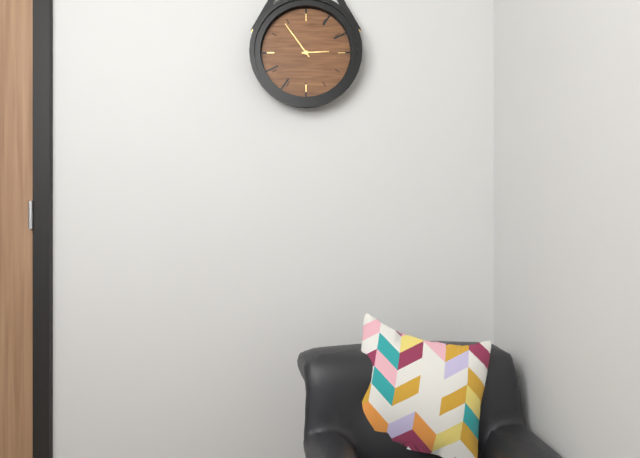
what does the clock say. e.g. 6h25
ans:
2h54
